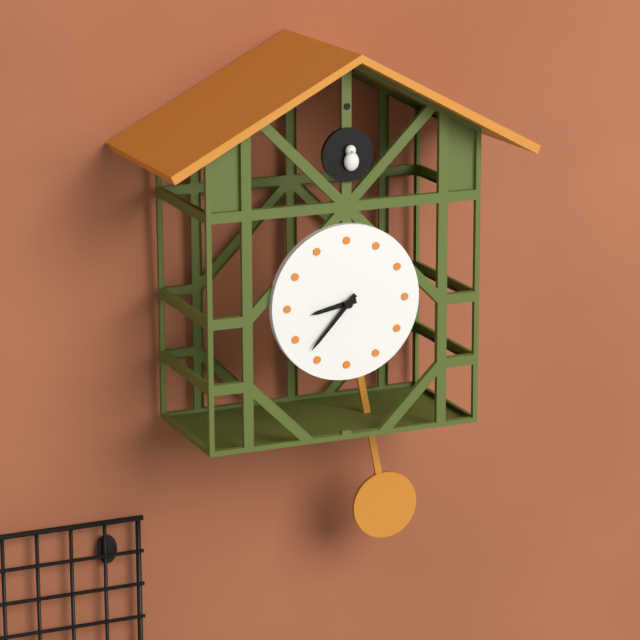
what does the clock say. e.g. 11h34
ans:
8h37
